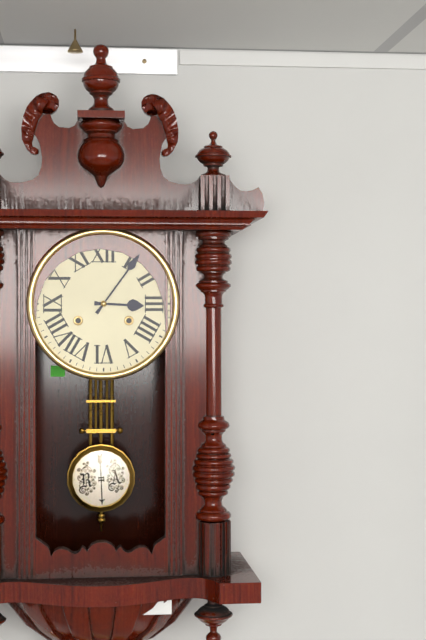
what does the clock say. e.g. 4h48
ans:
3h06
